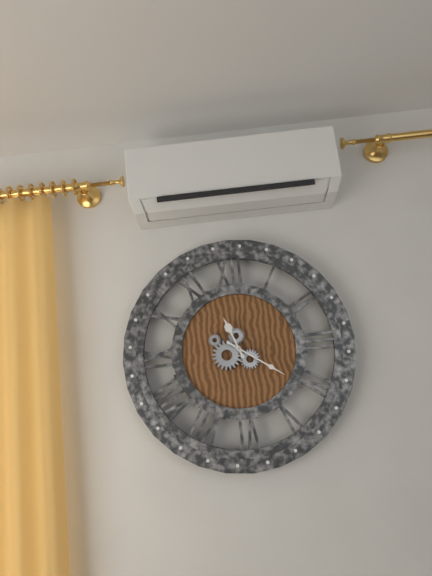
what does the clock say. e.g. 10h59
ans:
11h21
